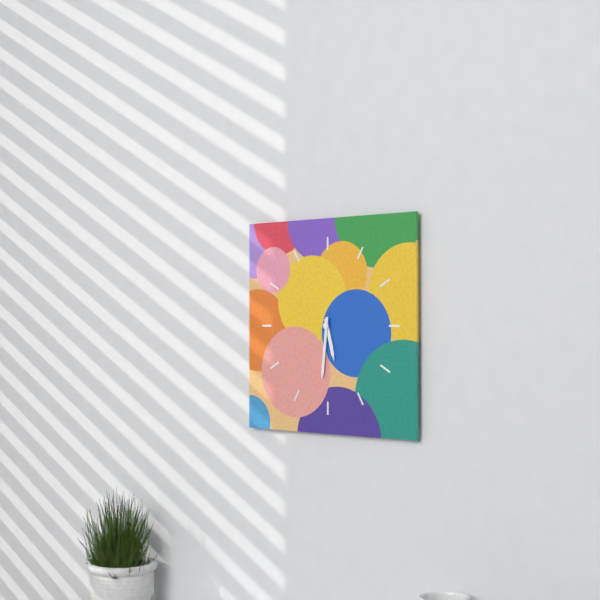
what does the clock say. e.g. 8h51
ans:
5h31
